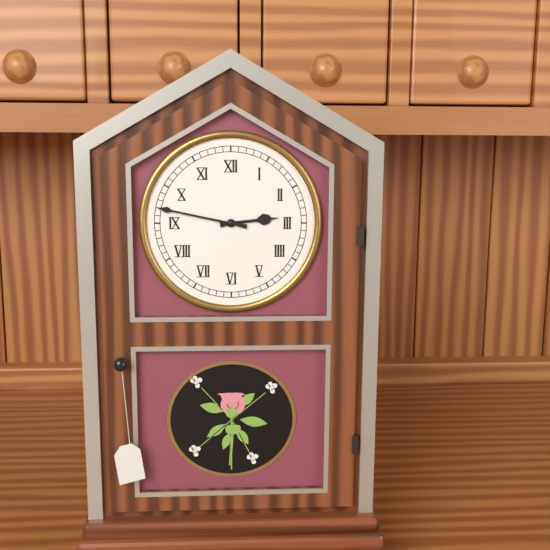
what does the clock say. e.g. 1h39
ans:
2h47
